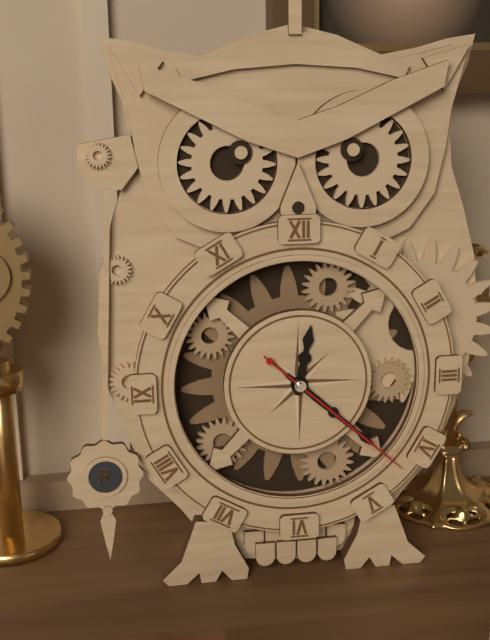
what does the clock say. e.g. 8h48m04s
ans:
12h22m22s
